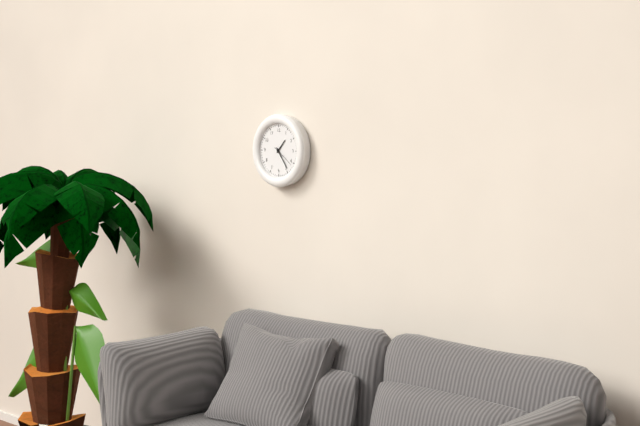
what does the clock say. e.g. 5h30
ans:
1h24
